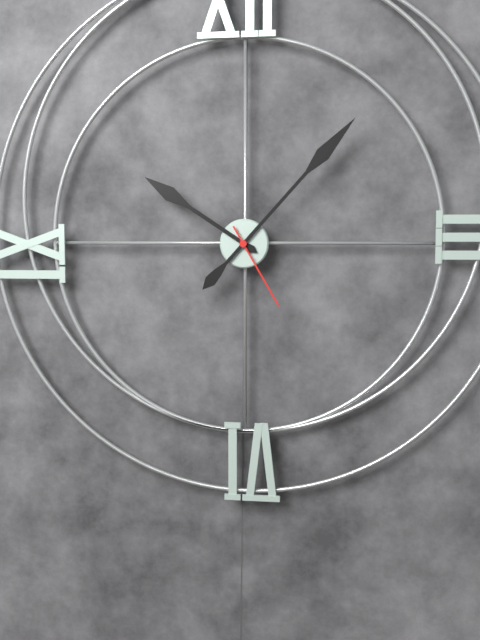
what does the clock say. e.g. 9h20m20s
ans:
10h07m25s
